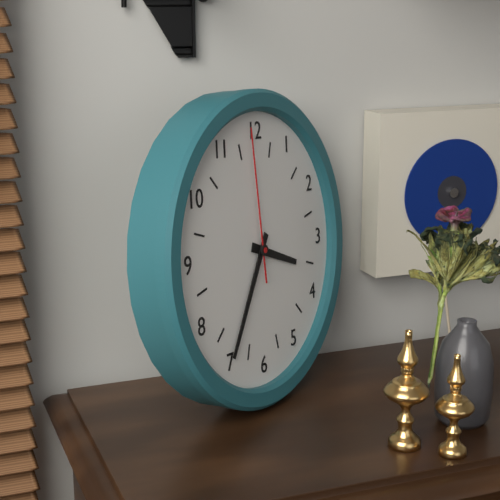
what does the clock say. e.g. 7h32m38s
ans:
3h35m59s
